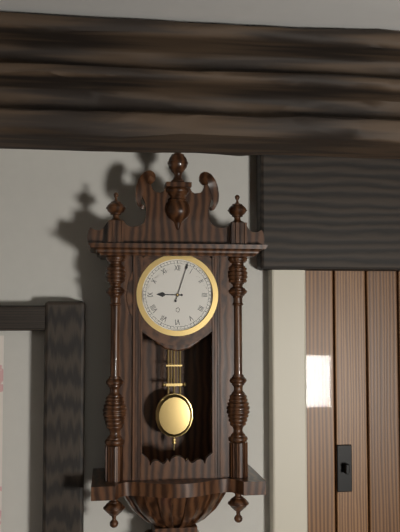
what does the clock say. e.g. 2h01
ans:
9h03
